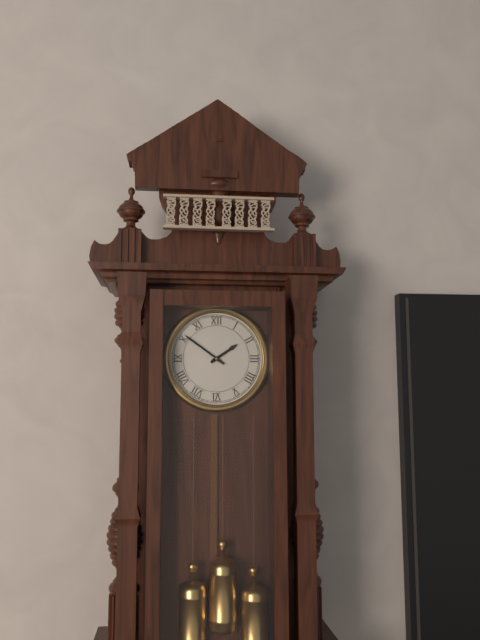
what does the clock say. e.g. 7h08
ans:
1h51
